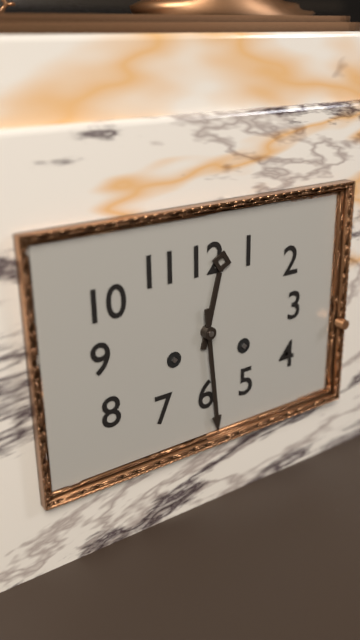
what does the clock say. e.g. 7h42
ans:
12h29
